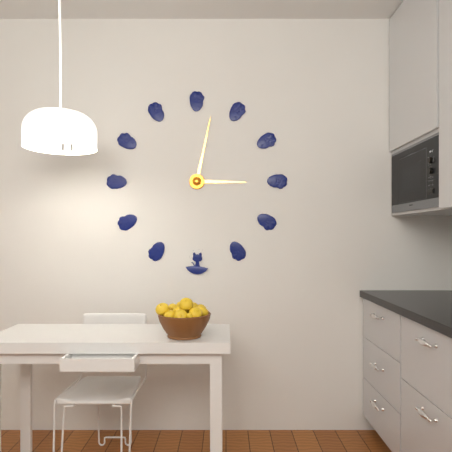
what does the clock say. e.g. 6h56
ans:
3h02
